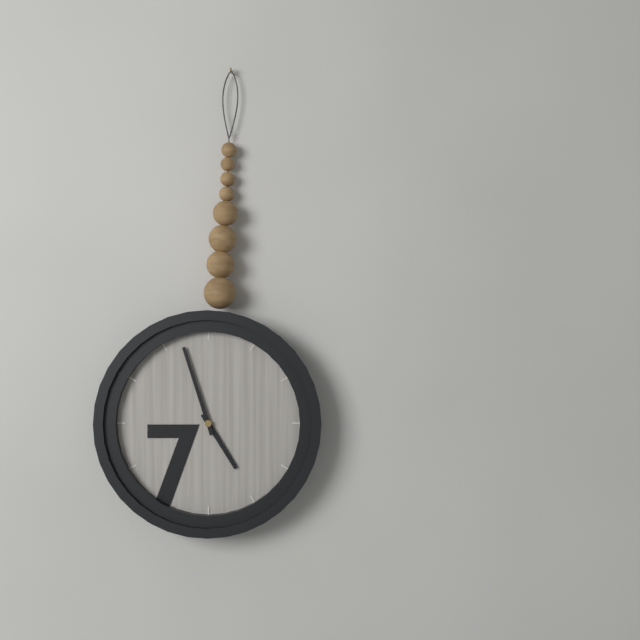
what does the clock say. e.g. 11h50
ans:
4h57
